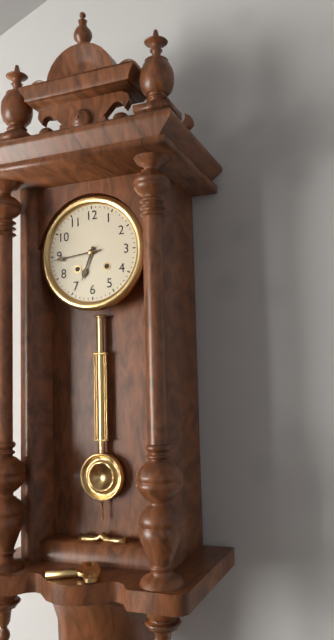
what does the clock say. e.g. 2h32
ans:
6h44
